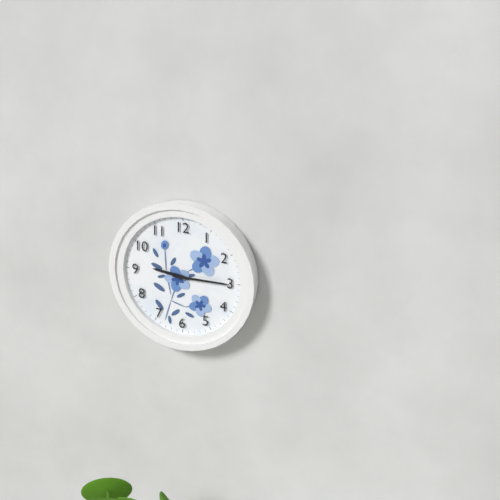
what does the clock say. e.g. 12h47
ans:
9h15
